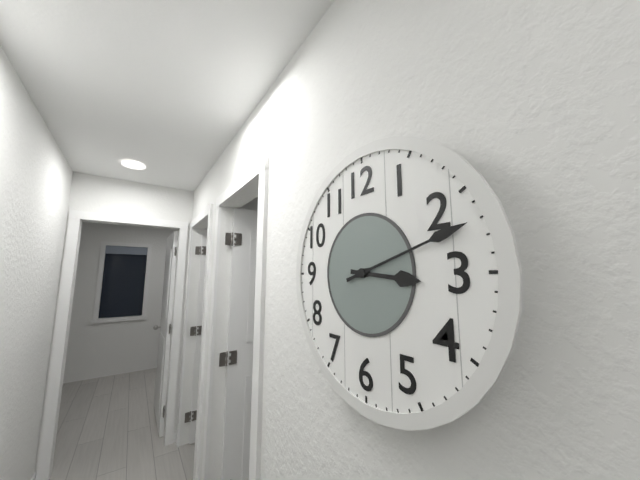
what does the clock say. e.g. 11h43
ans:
3h12
